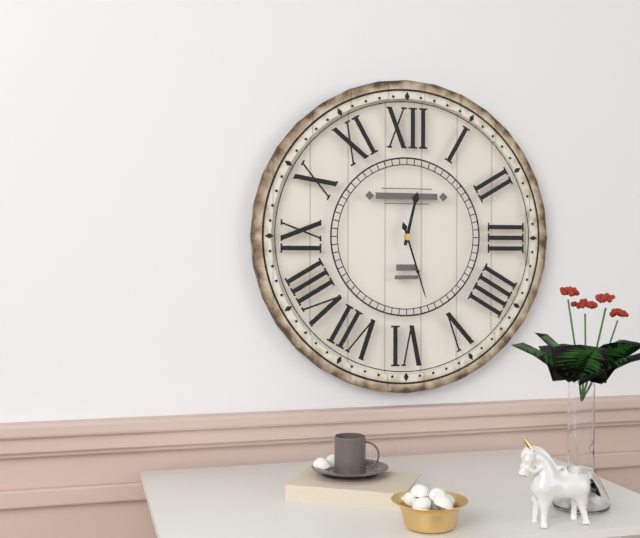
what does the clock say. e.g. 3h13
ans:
12h27
